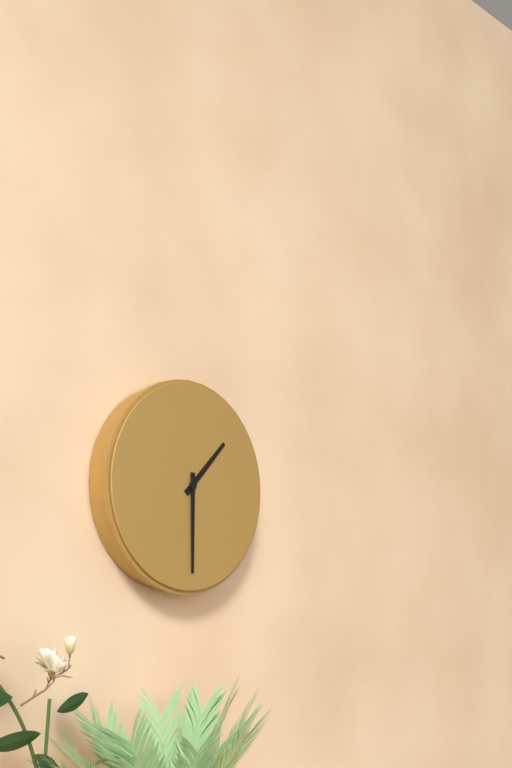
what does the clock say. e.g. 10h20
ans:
1h30
